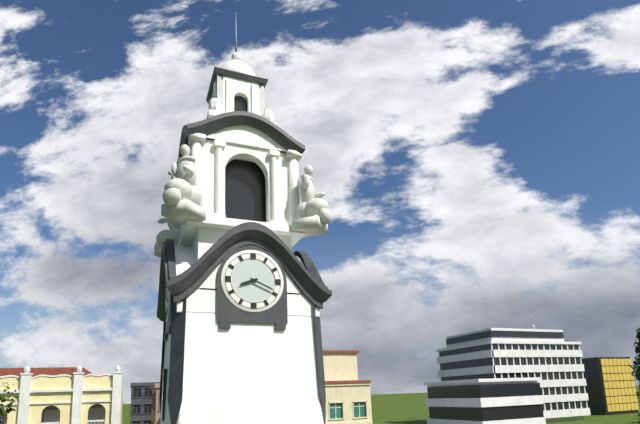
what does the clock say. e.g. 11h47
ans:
8h19
